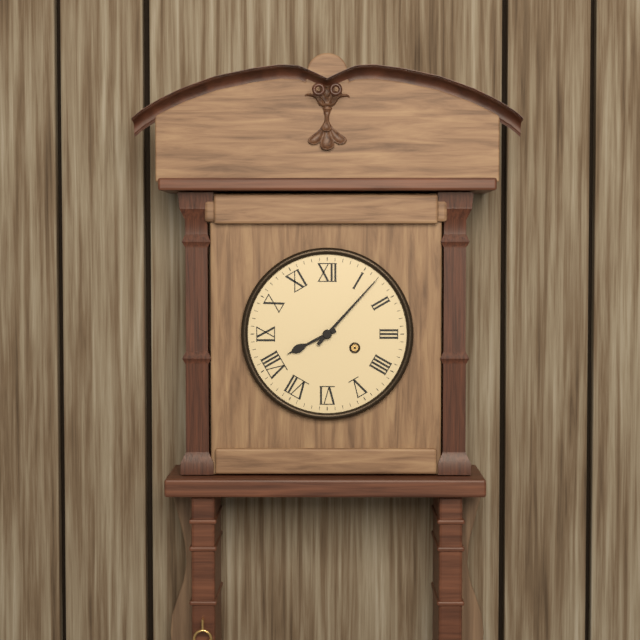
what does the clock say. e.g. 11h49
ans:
8h07
